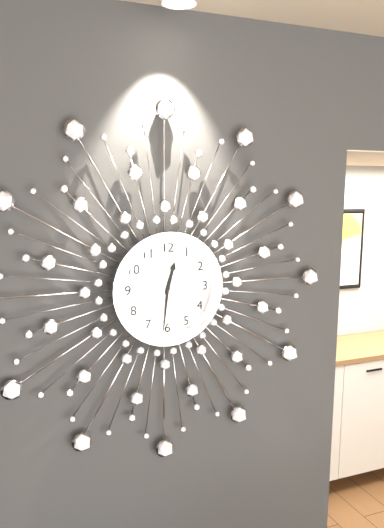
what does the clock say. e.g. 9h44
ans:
12h31
